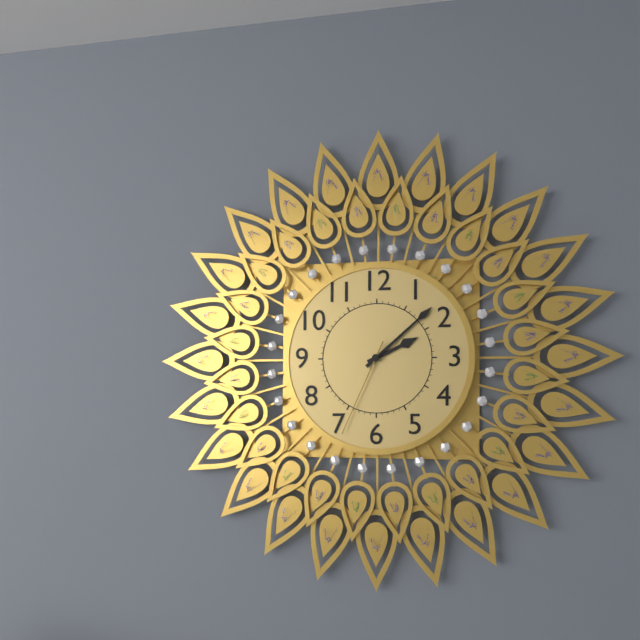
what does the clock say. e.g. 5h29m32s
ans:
2h08m34s
